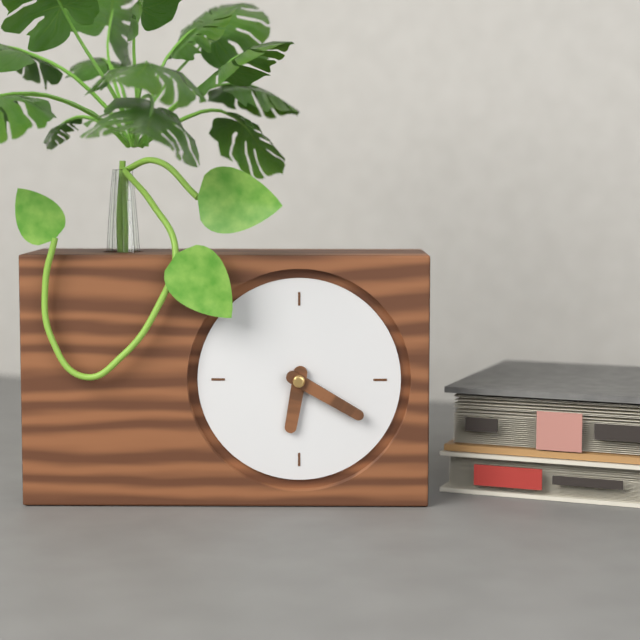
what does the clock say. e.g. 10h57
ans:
6h20
